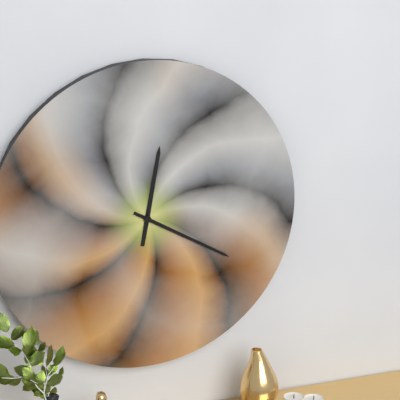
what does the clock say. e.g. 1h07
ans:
12h20
